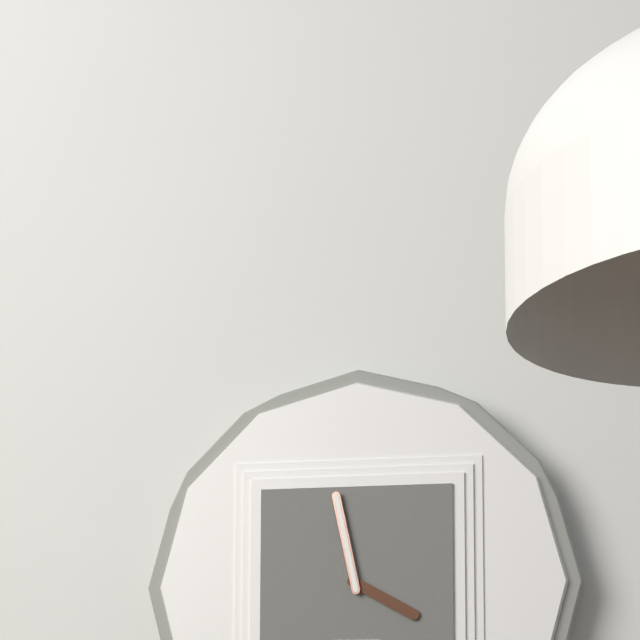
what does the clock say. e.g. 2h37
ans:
3h58
